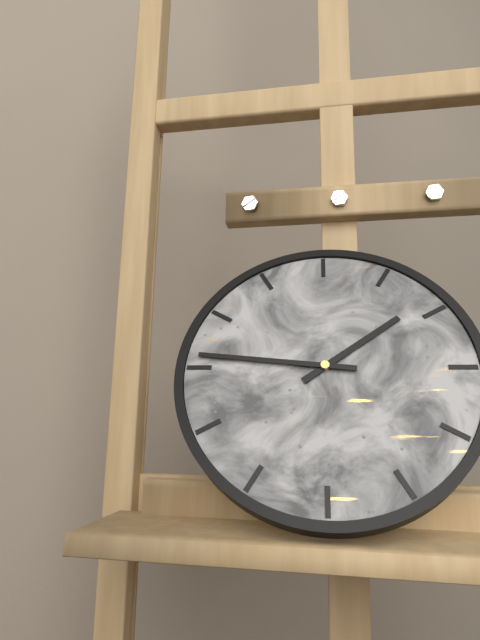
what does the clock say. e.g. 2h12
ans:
1h46
